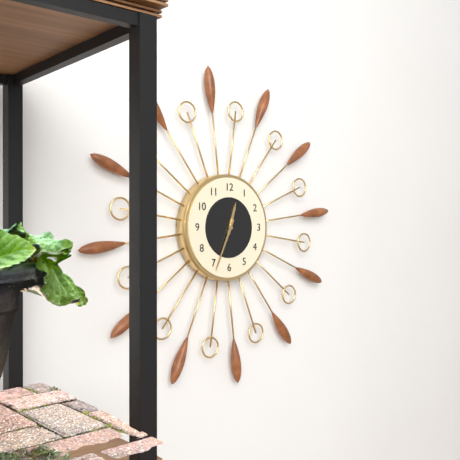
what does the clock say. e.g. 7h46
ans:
12h34
